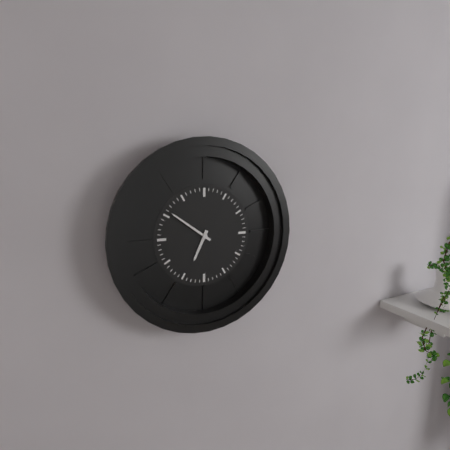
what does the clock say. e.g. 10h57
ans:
6h51
